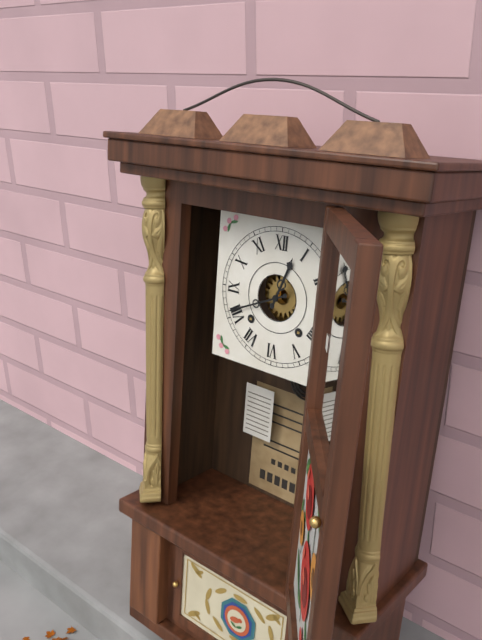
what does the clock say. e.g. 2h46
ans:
12h41
